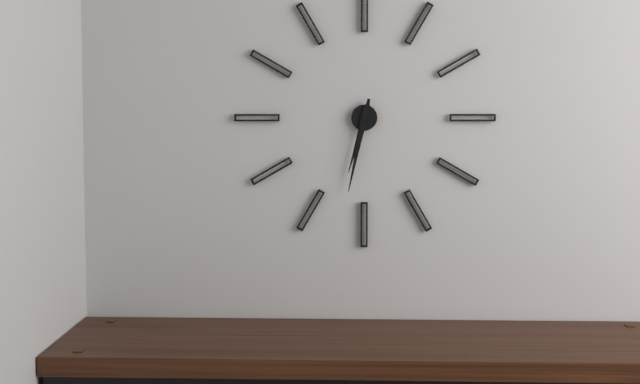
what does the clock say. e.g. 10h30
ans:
6h32
